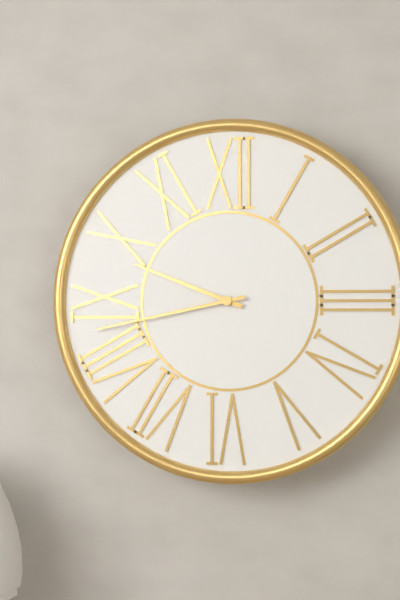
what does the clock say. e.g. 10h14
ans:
9h43
